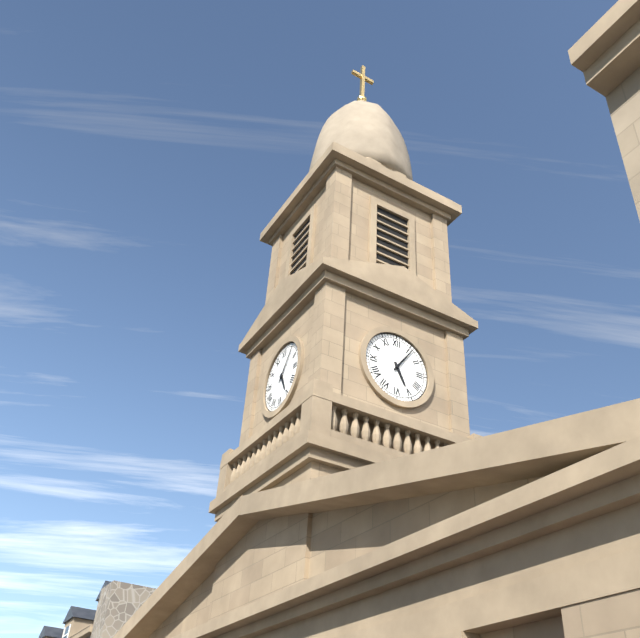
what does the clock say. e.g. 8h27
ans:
5h06
